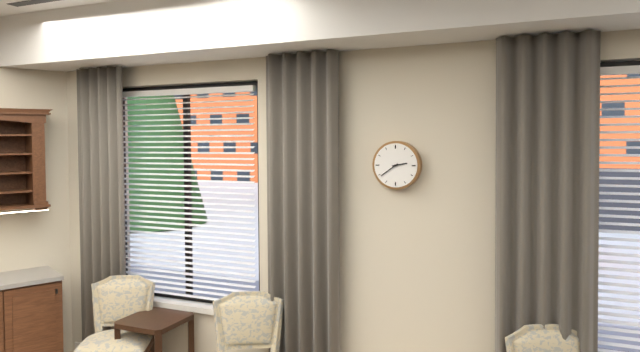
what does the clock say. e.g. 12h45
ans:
2h39
